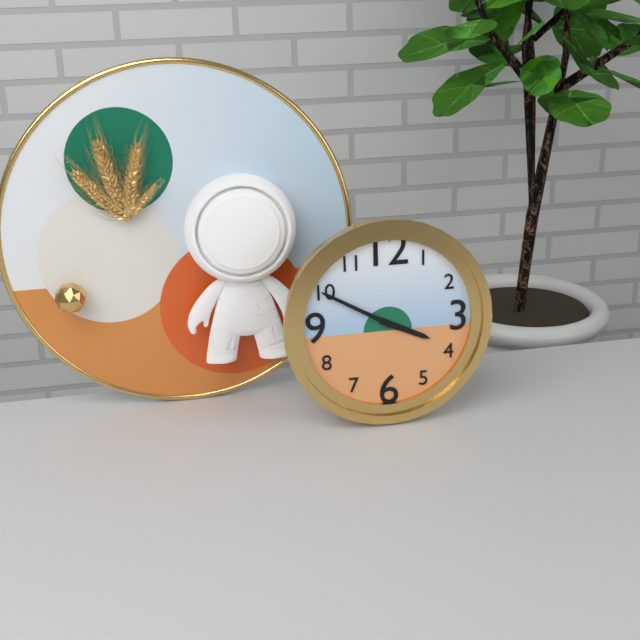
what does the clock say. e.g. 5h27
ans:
3h50
